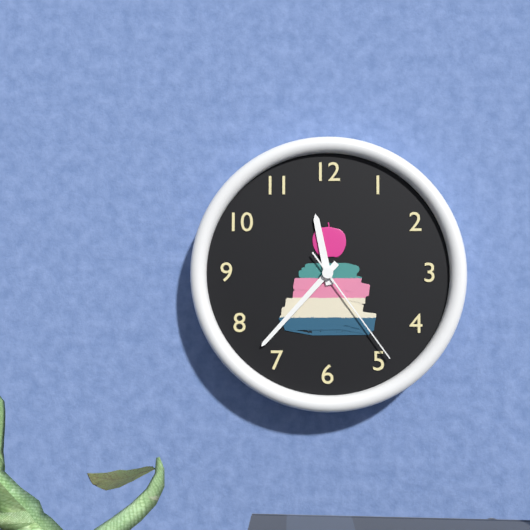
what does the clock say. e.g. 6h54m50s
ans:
11h37m24s
